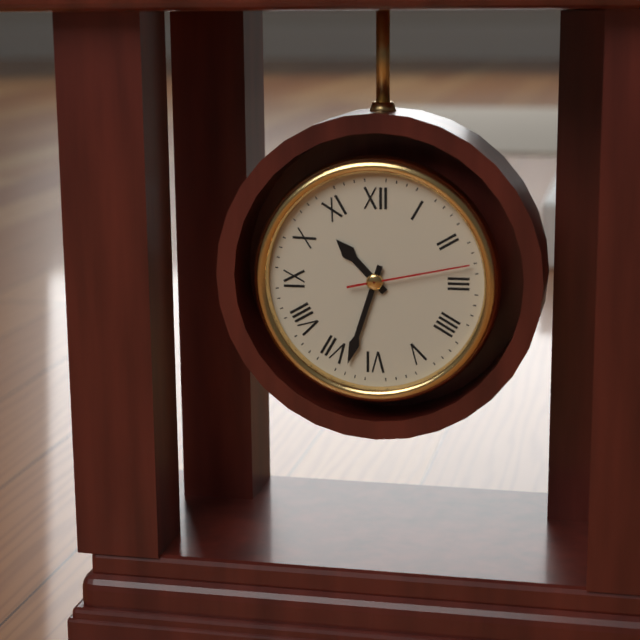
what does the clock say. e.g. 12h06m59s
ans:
10h33m13s
